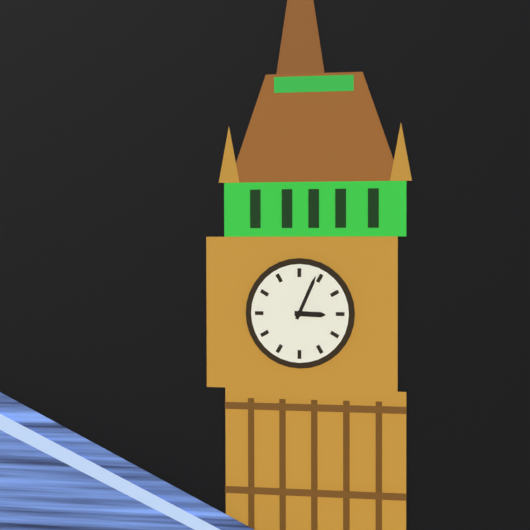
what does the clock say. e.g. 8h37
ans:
3h04
